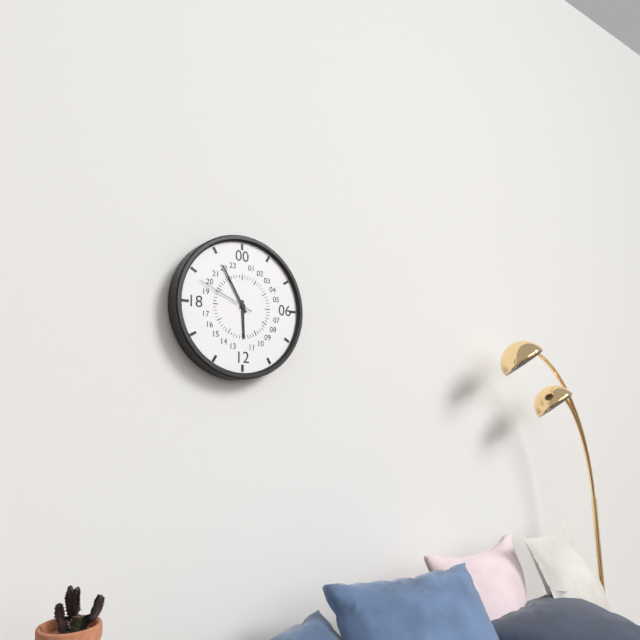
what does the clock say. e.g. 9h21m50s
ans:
5h55m49s
